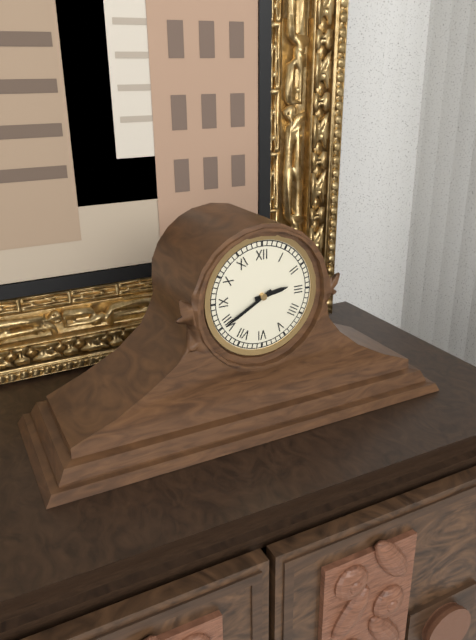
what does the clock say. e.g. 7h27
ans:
2h40
